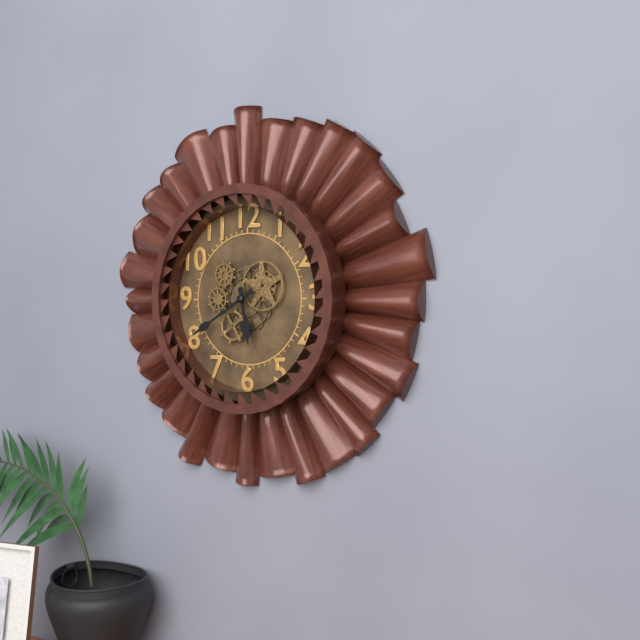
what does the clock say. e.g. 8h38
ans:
5h40
